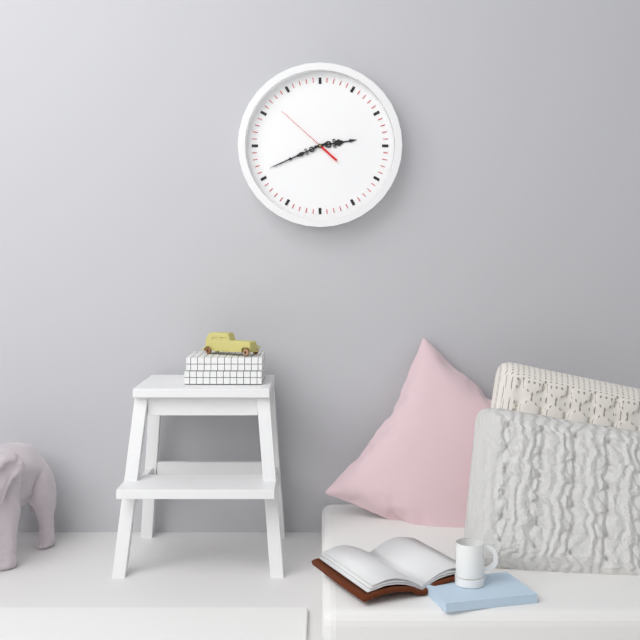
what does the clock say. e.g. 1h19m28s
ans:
2h41m52s
